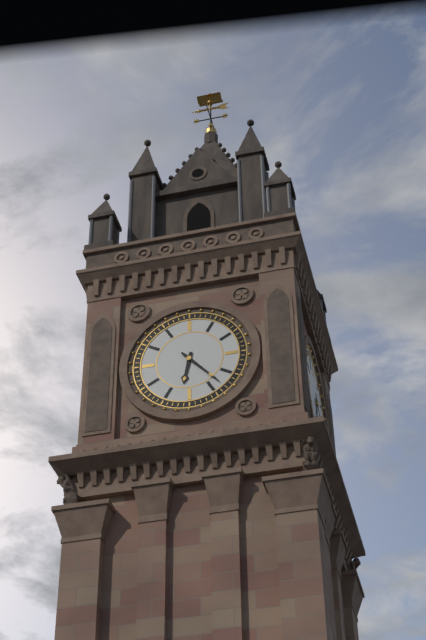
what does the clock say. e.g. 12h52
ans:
6h23
